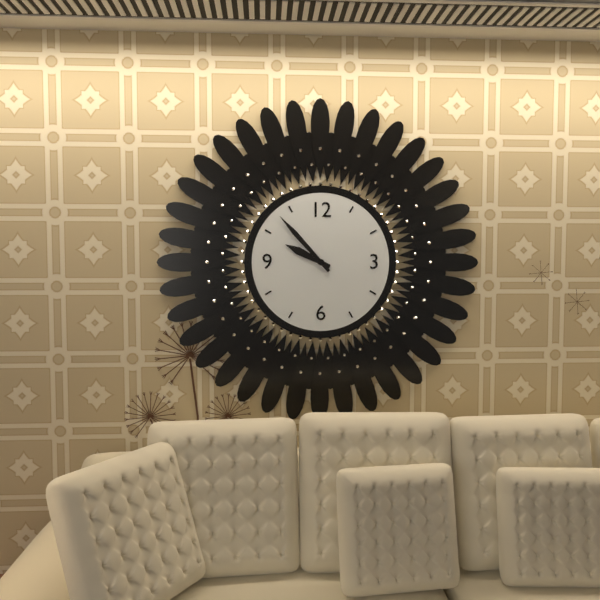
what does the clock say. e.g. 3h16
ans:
9h53
